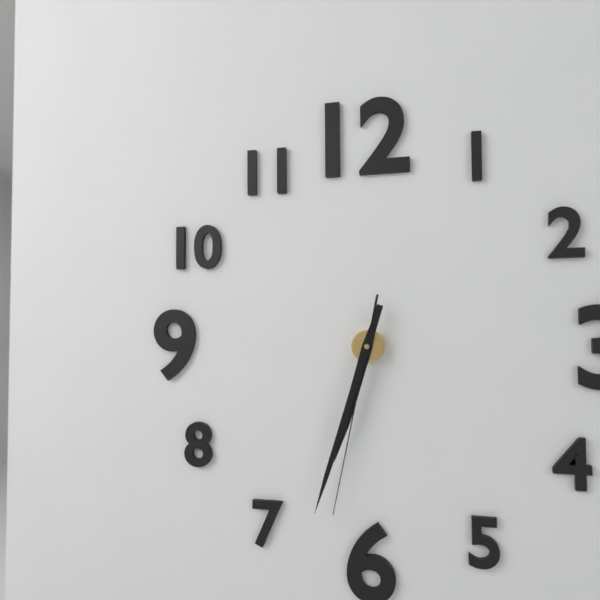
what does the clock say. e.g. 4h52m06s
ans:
6h33m32s
